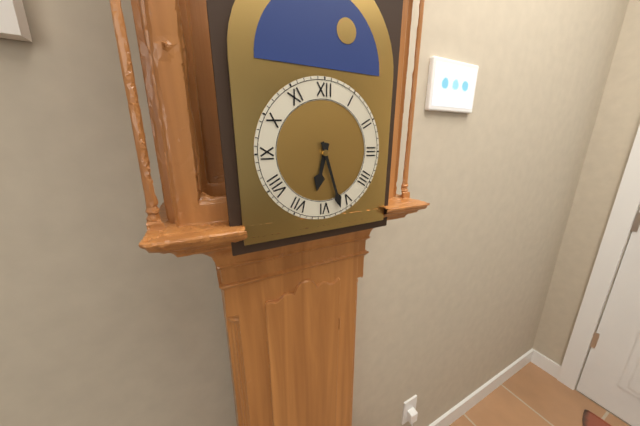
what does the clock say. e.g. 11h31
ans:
6h27
